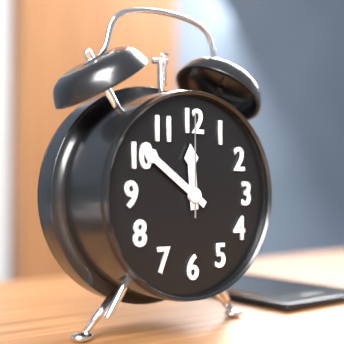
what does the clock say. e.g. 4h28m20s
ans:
11h51m00s
